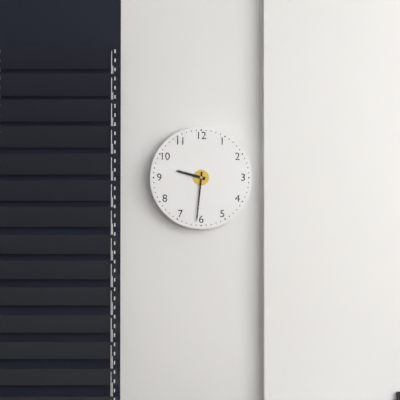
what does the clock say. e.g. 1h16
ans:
9h31
